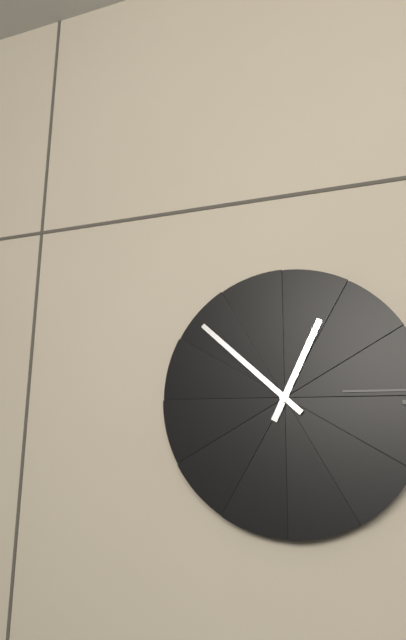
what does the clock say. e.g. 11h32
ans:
12h52
